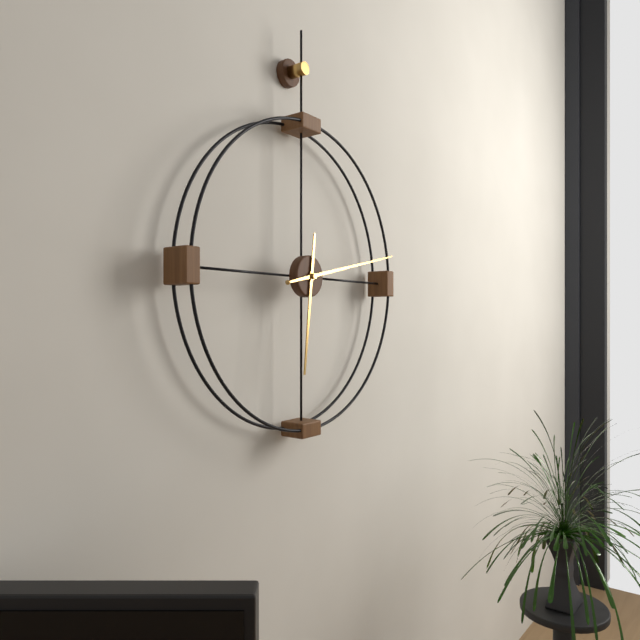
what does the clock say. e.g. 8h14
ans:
6h13
